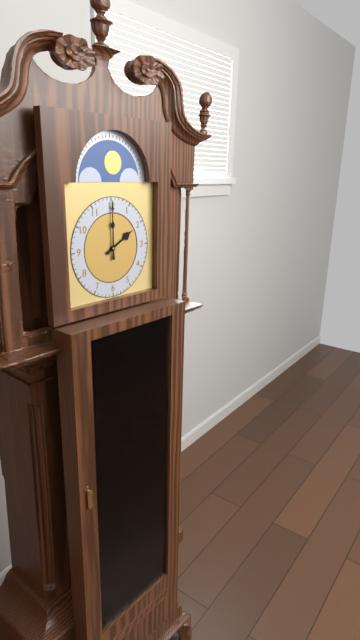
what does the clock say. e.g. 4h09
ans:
2h00
